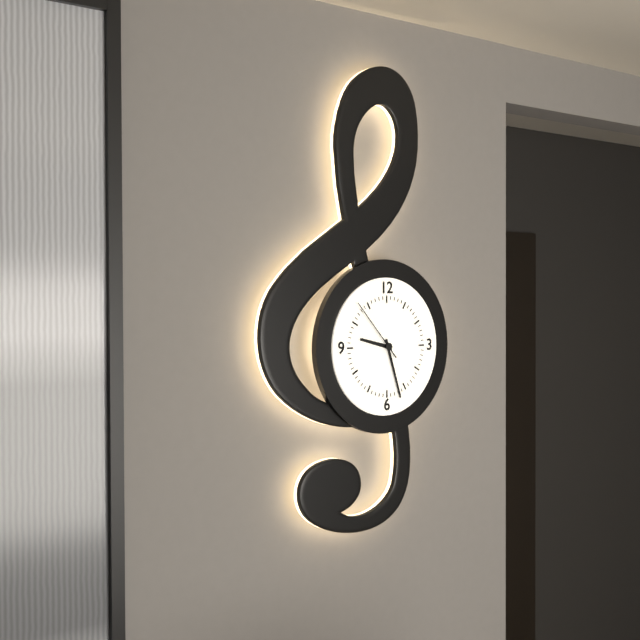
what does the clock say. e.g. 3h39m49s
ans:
9h27m53s
